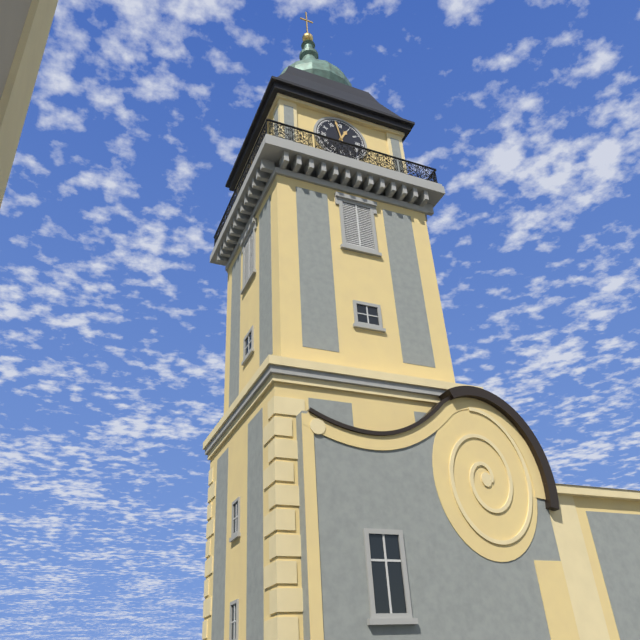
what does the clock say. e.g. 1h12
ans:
12h58
